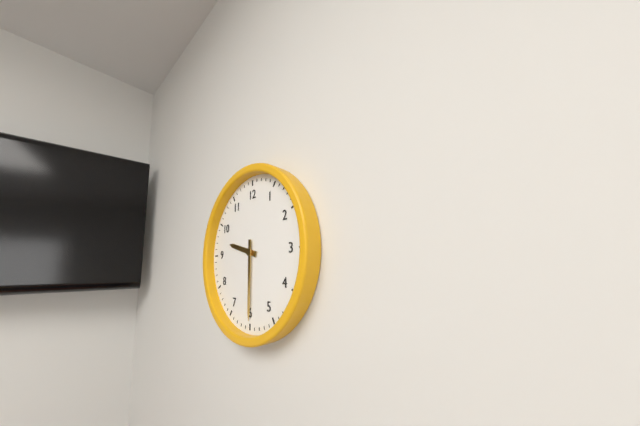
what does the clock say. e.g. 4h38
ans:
9h30
